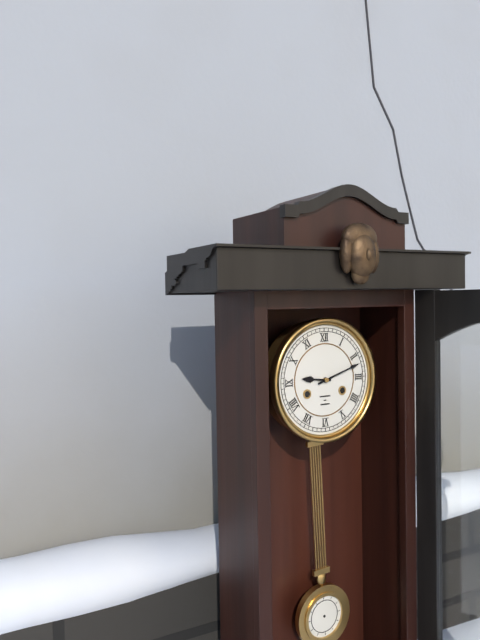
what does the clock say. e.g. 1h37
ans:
9h12
